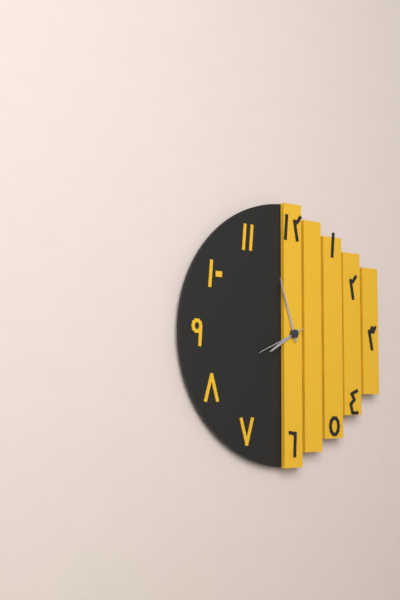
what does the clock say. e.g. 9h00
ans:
7h57
